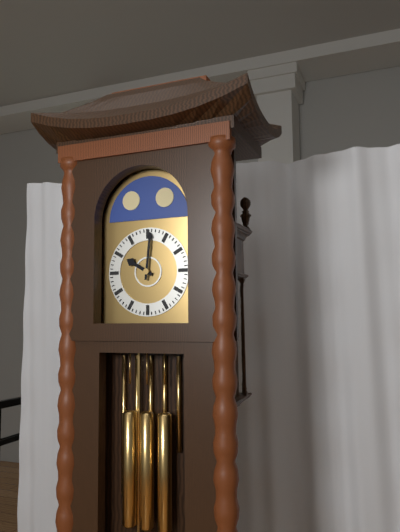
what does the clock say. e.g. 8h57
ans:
10h01
